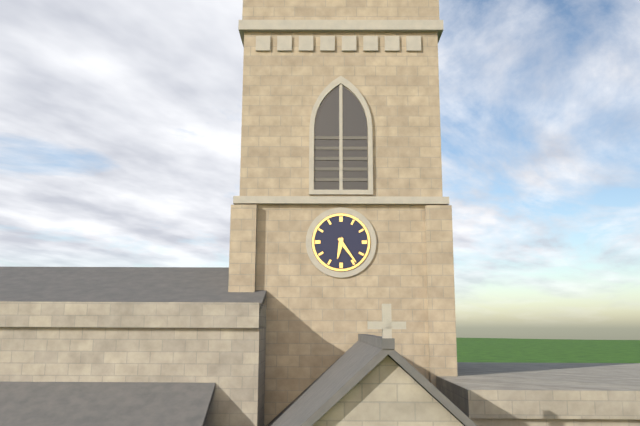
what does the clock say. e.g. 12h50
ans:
6h24
